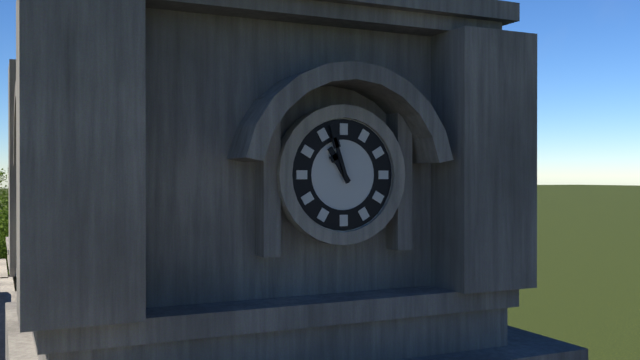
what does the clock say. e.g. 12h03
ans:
10h57
